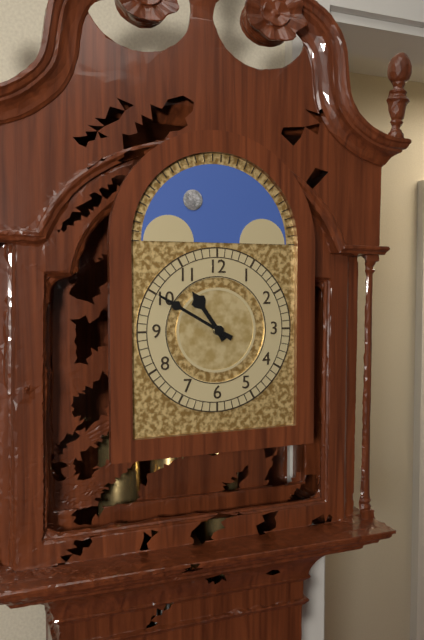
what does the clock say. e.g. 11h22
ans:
10h50
